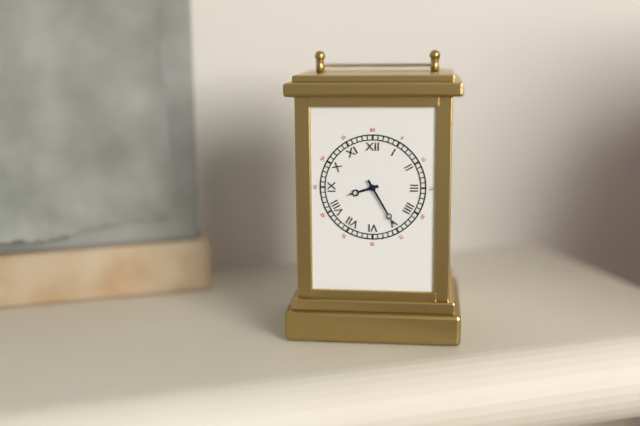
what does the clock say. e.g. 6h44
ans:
8h25
